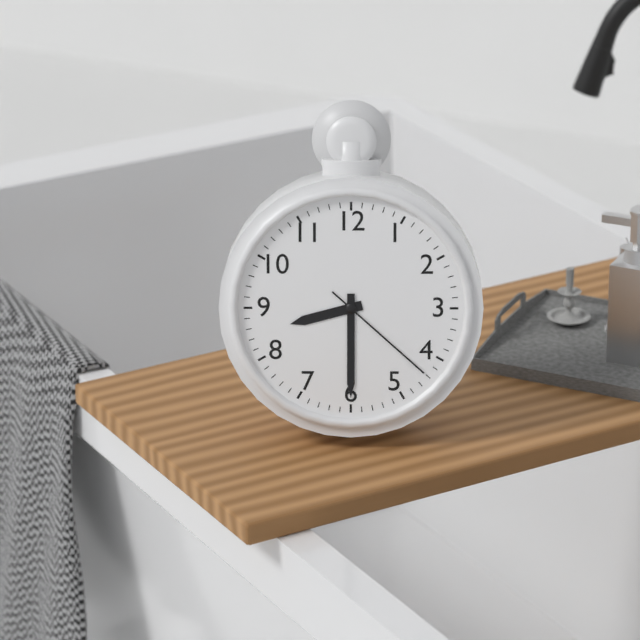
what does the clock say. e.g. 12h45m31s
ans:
8h30m22s
